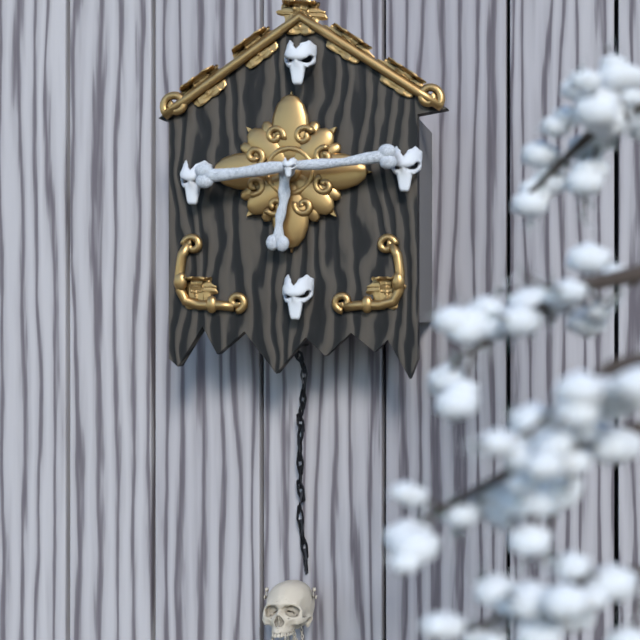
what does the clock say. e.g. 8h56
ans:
6h14
